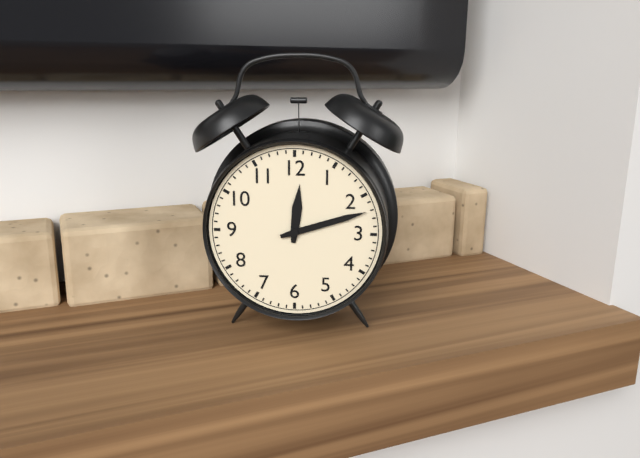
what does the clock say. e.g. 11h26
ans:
12h12
